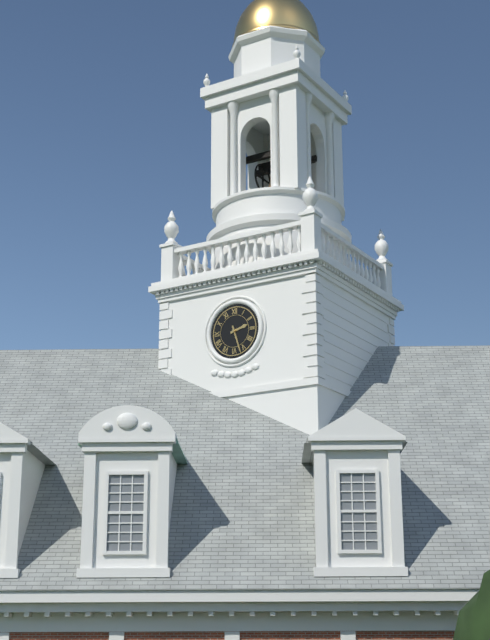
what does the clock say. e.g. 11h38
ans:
2h27
